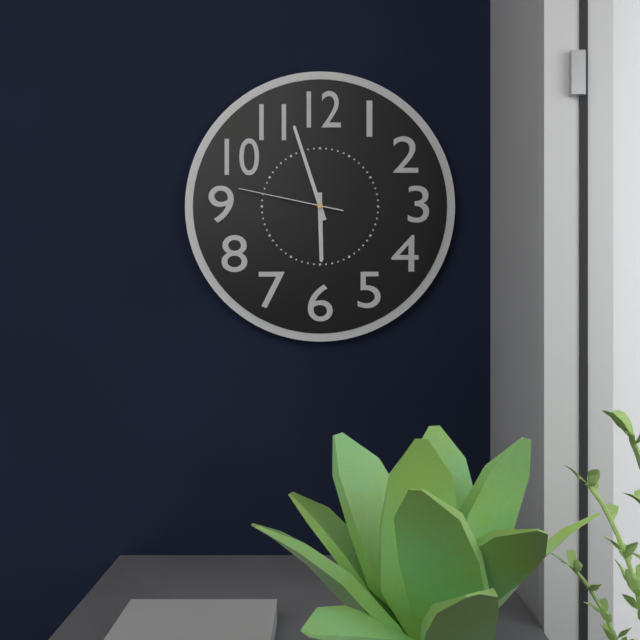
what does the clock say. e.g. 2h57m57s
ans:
5h57m47s
